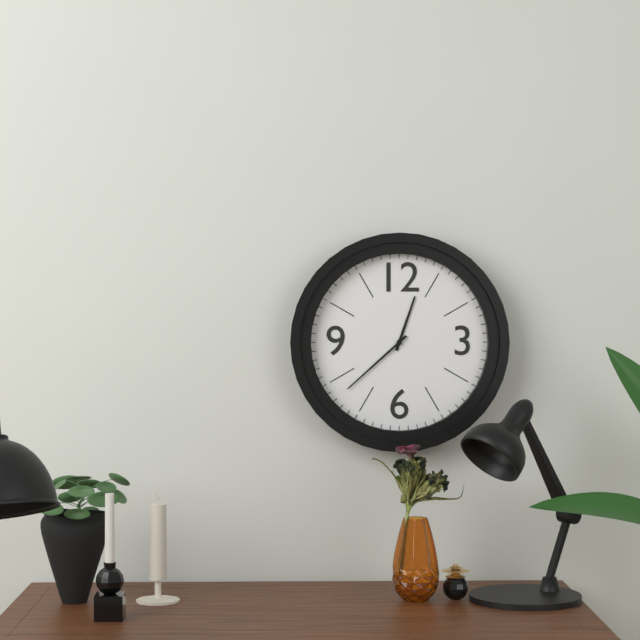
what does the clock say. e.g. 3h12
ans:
12h38
